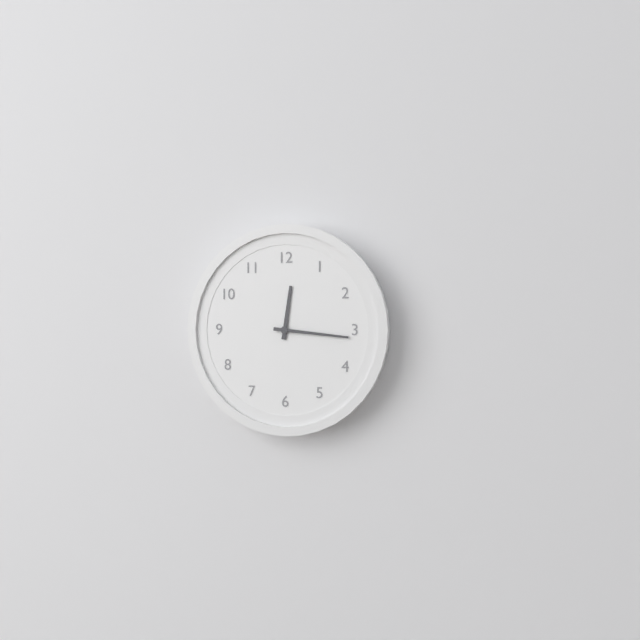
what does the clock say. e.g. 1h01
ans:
12h16
